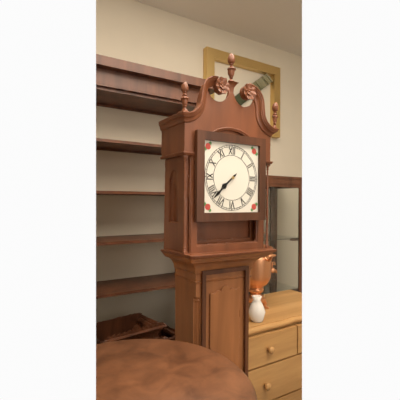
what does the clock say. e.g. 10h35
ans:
7h38
